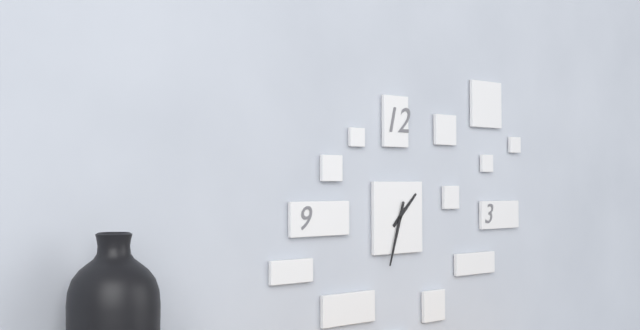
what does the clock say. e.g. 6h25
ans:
1h33
